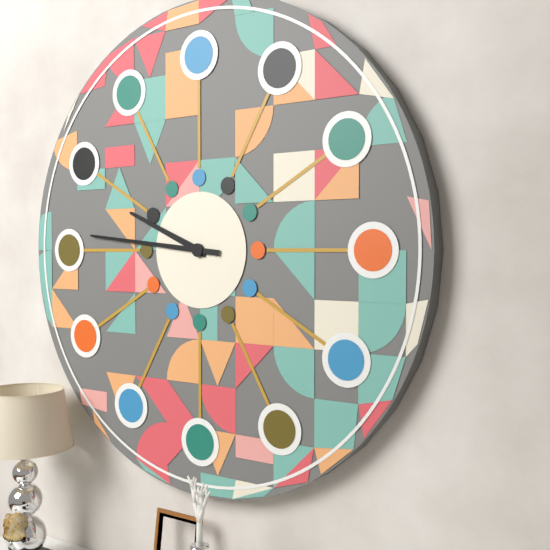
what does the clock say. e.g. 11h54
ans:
9h46
